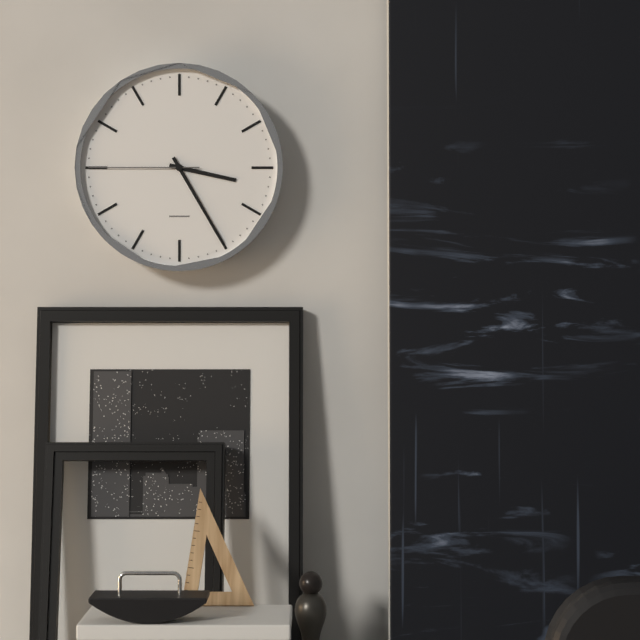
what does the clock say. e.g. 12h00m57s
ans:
3h25m45s
